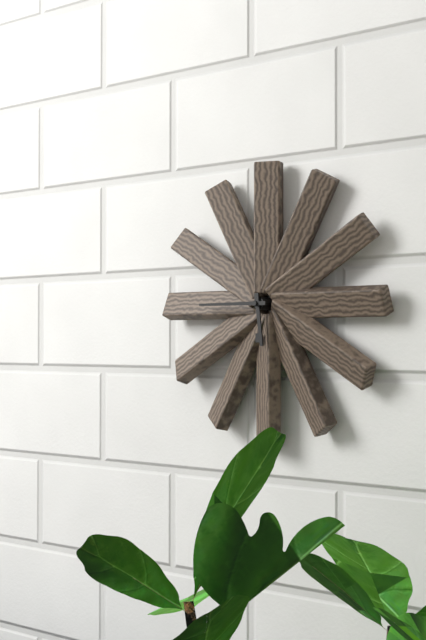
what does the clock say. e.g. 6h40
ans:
5h45
